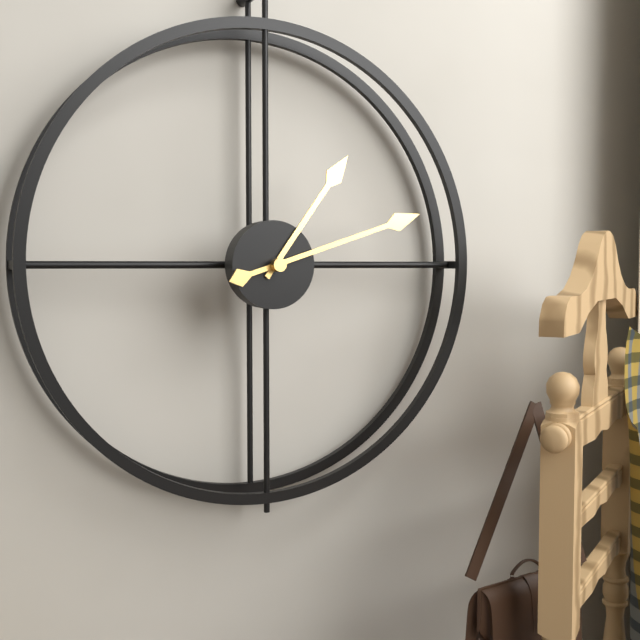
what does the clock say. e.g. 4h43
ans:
1h12
